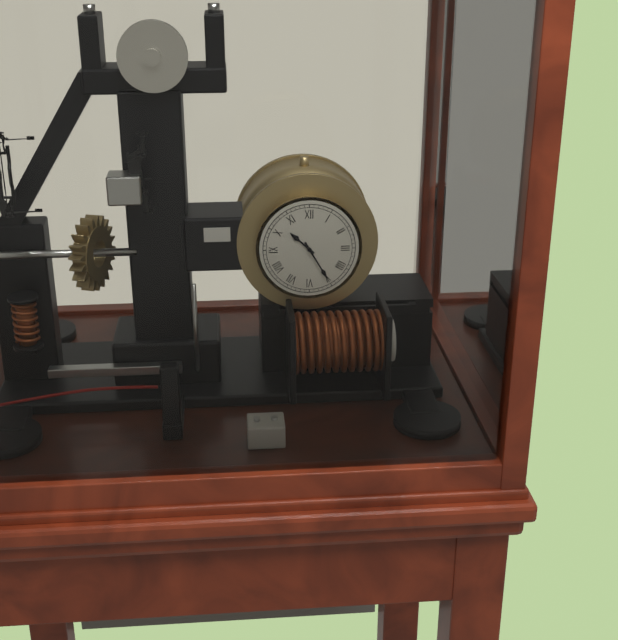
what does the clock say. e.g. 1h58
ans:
10h25
